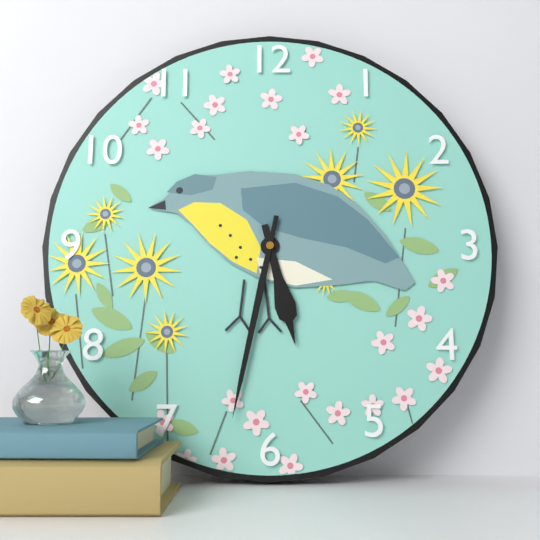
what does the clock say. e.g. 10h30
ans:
5h32
